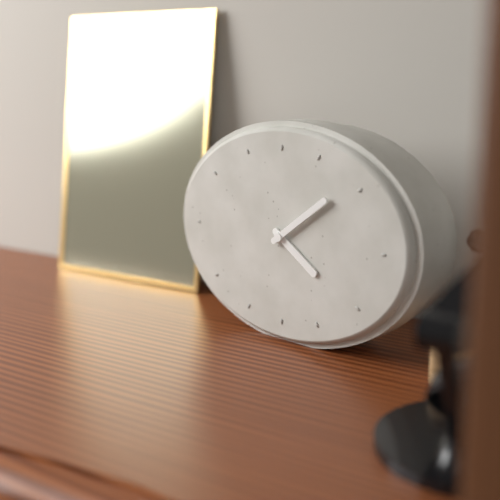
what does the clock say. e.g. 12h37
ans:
4h09
